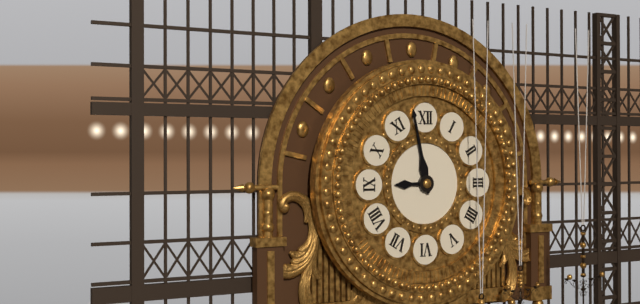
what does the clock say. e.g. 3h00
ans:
8h58
